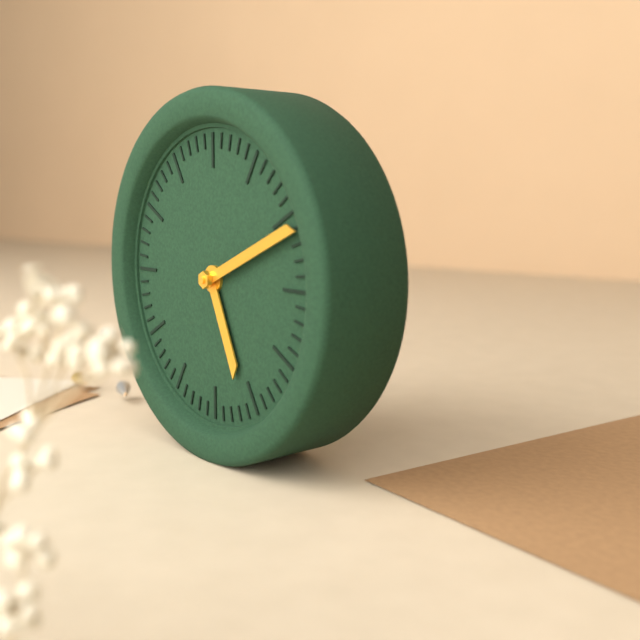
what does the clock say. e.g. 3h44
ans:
5h11
